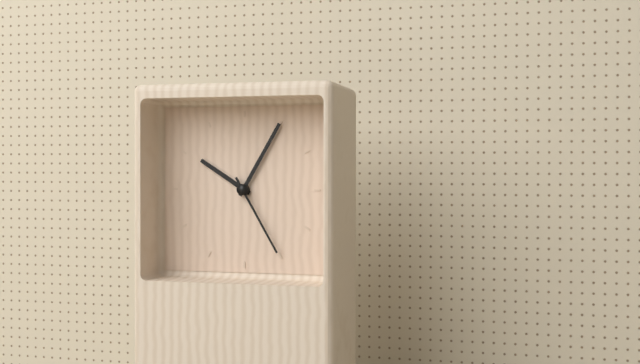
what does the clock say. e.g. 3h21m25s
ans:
10h05m25s
